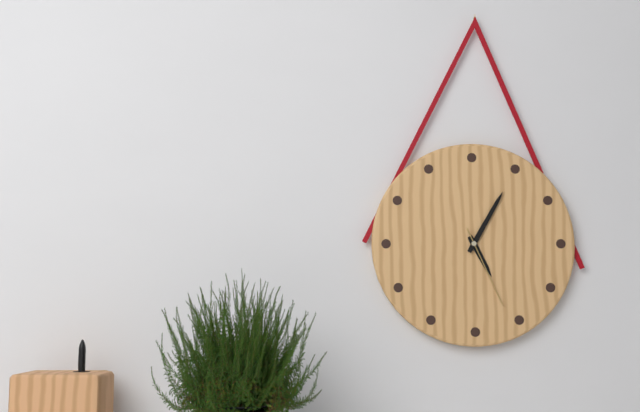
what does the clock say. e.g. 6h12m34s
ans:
5h05m26s
